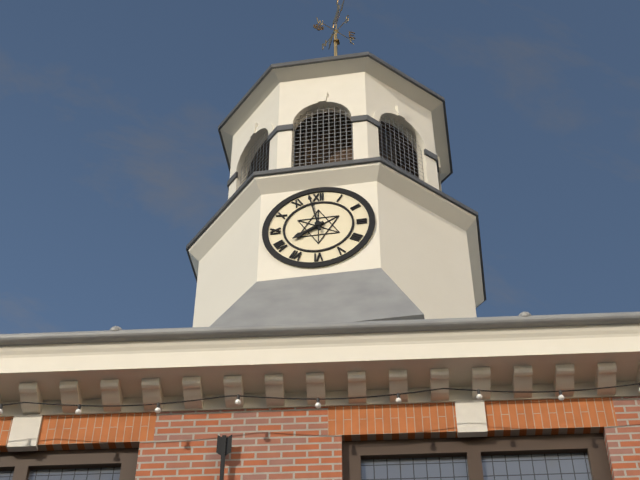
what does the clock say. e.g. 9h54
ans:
7h58
